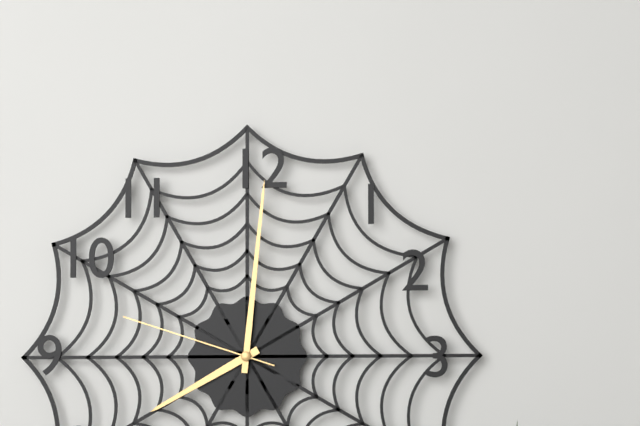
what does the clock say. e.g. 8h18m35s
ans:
8h01m48s
